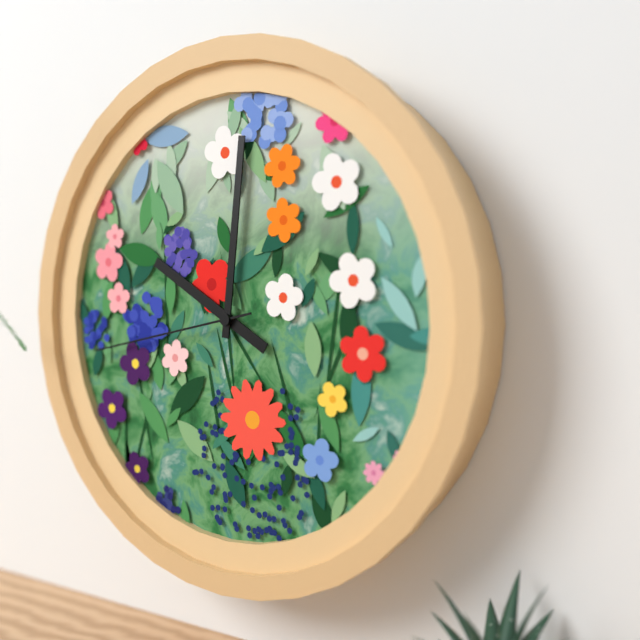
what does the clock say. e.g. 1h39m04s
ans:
10h01m43s
